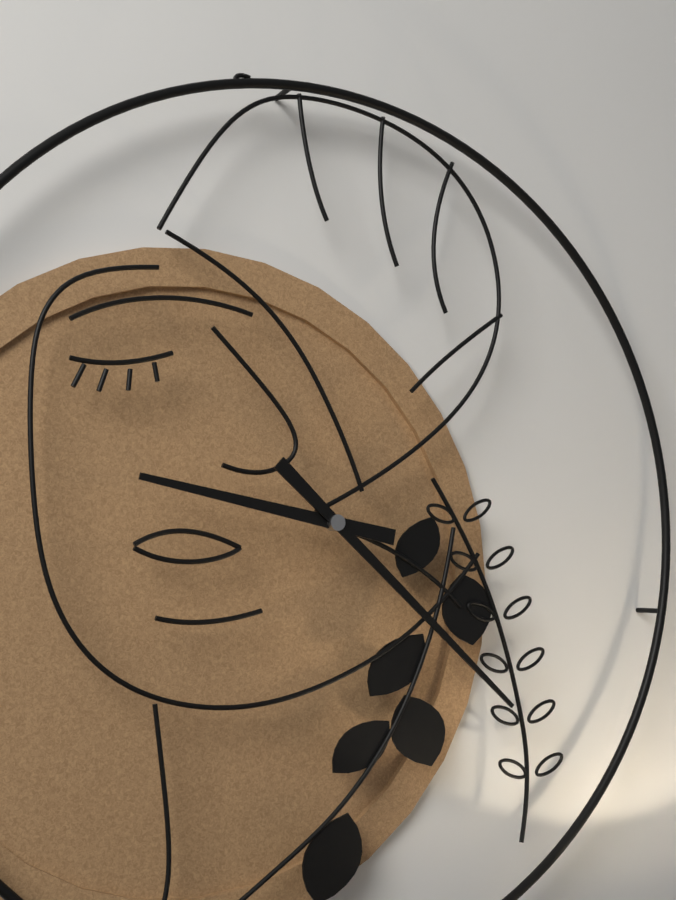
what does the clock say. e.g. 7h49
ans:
9h22
